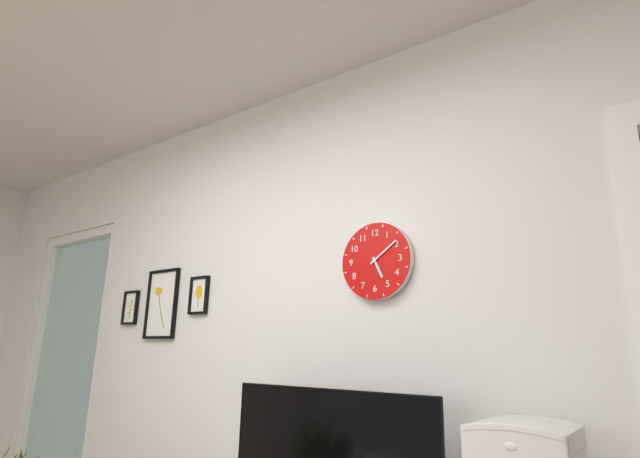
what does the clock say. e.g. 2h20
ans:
5h09
